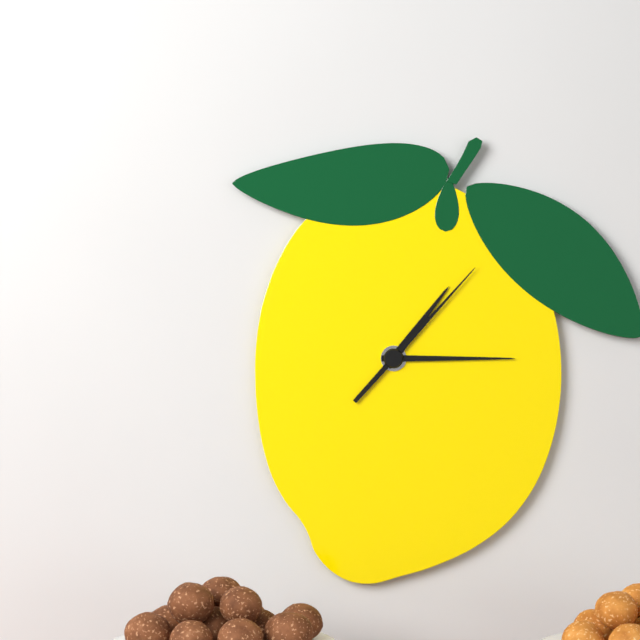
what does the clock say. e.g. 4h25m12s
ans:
1h15m07s
